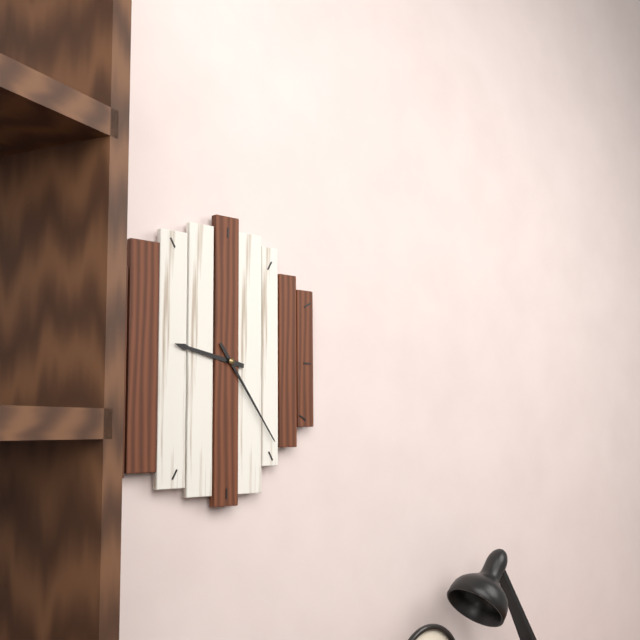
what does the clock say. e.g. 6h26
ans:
9h24
